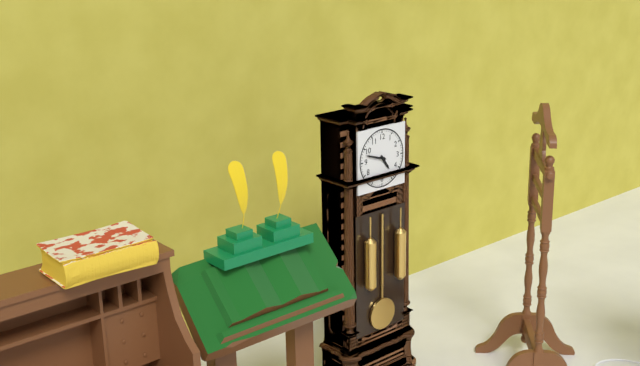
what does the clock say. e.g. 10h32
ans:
4h48
